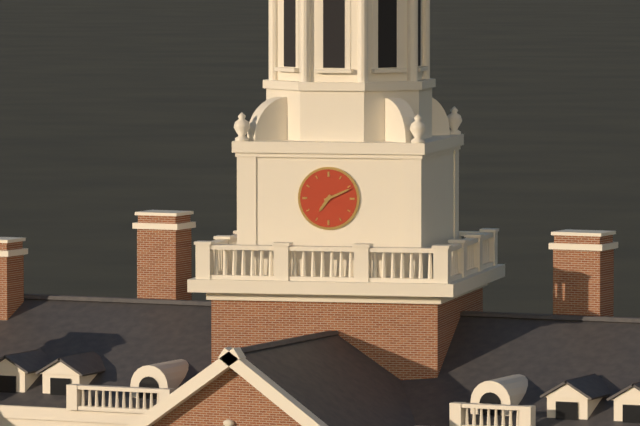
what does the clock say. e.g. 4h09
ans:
7h11
